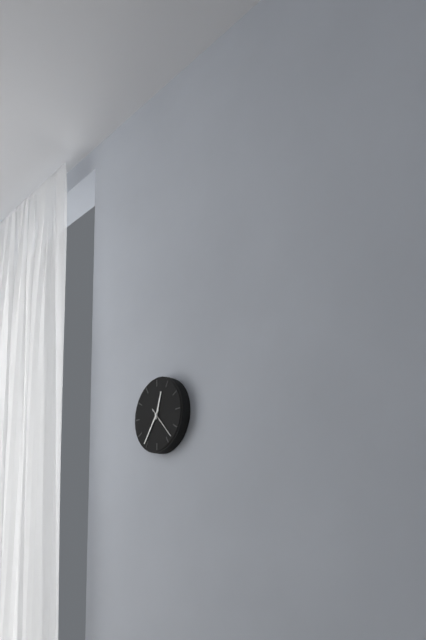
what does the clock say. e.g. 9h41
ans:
12h36
